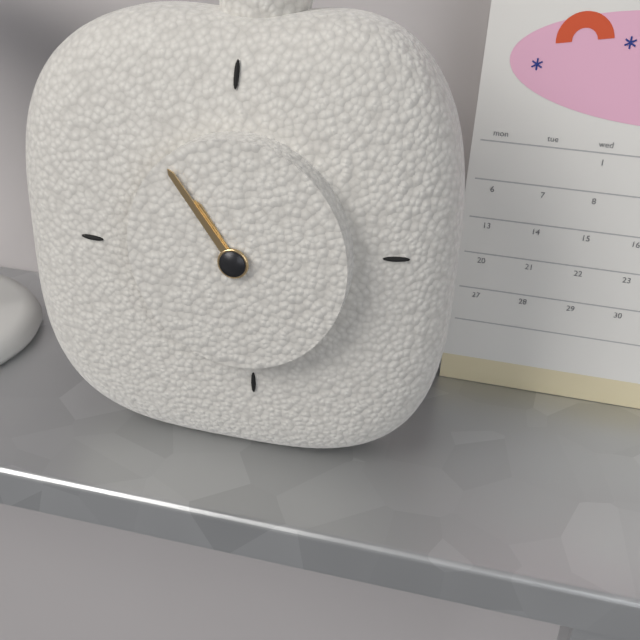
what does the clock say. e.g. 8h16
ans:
10h54
